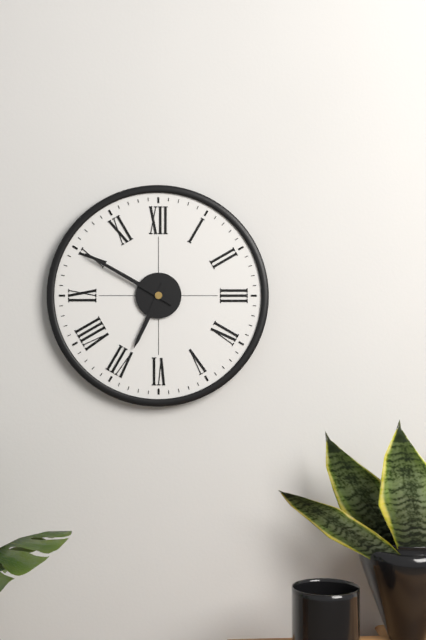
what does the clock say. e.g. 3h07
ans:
6h50
